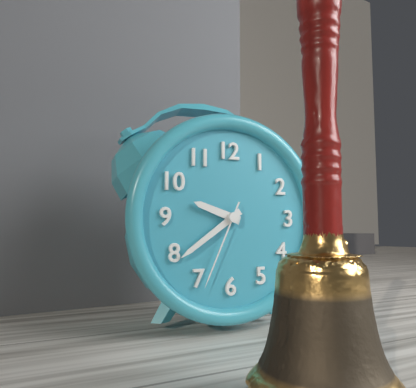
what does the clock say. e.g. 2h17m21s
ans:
9h39m34s
